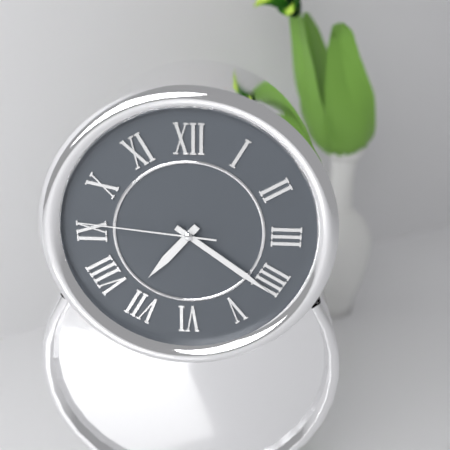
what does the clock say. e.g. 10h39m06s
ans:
7h21m46s
